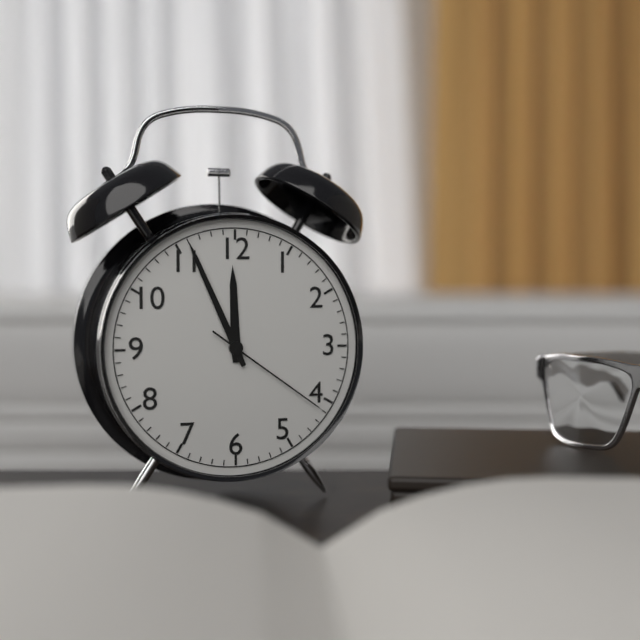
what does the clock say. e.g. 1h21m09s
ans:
11h56m21s
